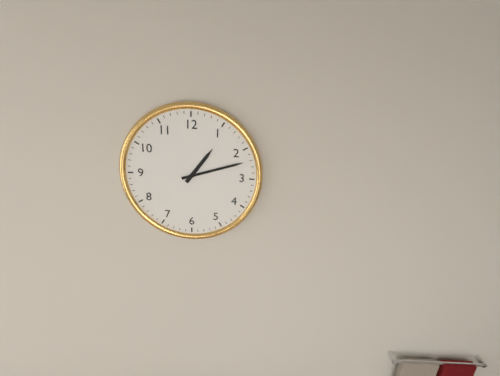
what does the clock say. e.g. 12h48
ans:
1h12
